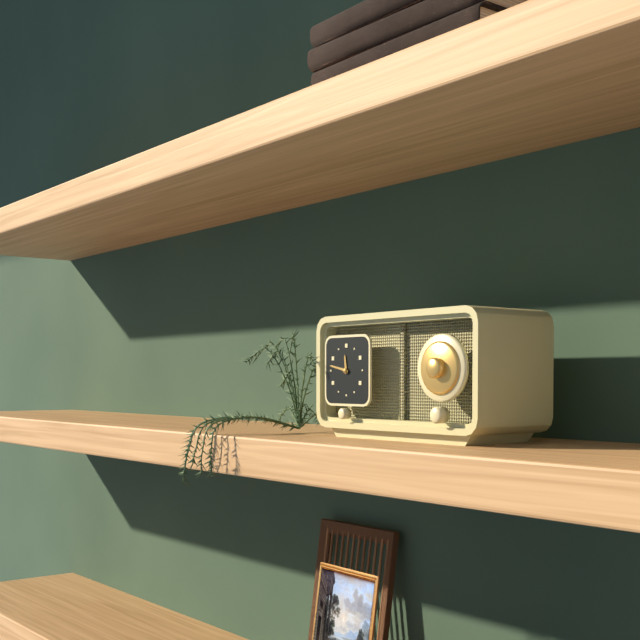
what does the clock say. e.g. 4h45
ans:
11h47
